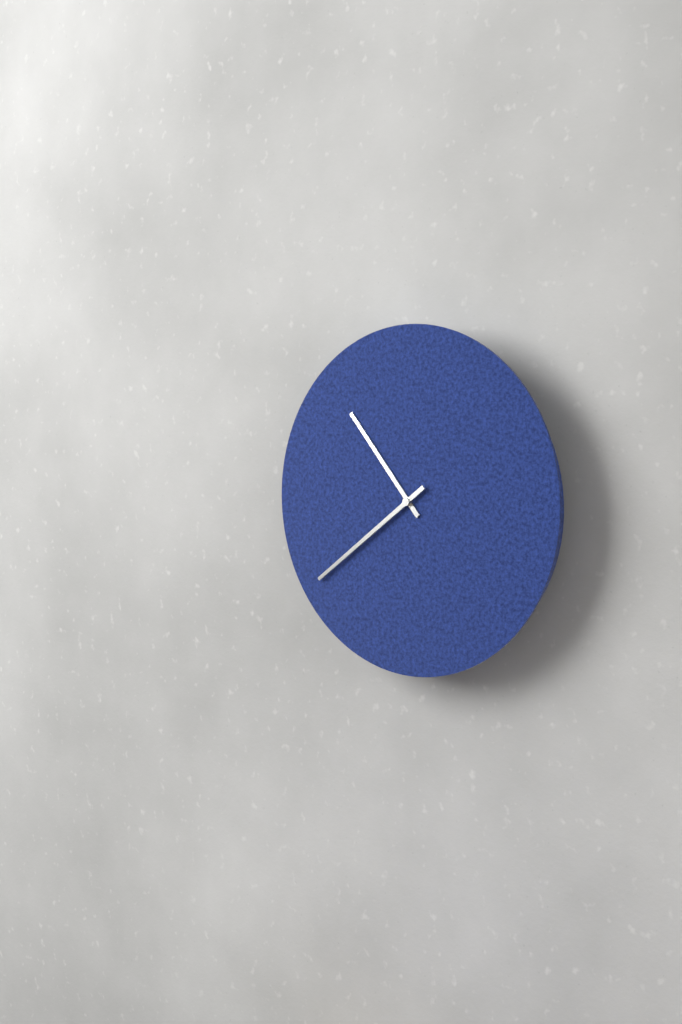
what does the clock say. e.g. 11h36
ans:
10h39
